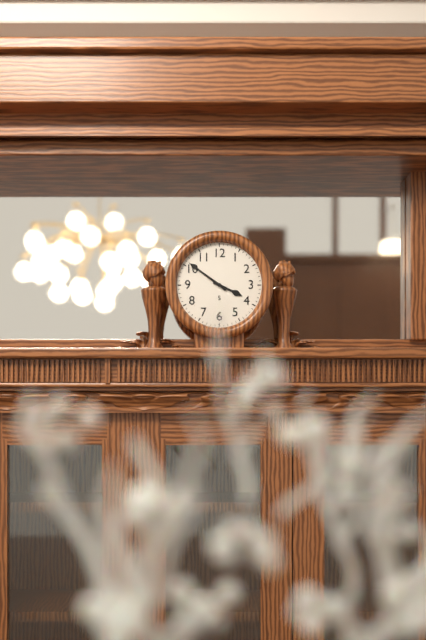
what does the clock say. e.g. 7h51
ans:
3h51
